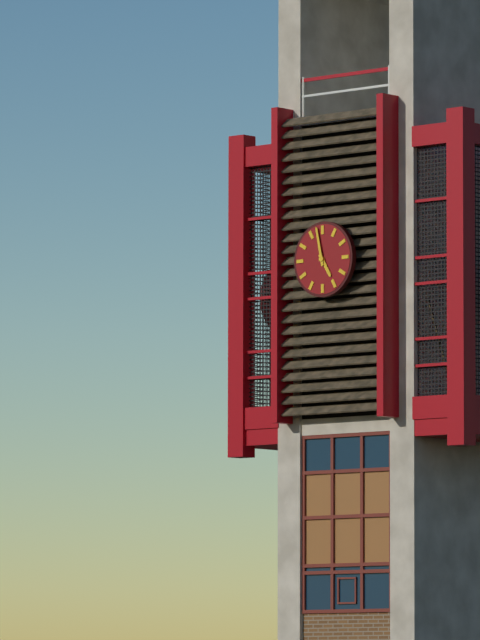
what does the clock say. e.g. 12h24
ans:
4h58
